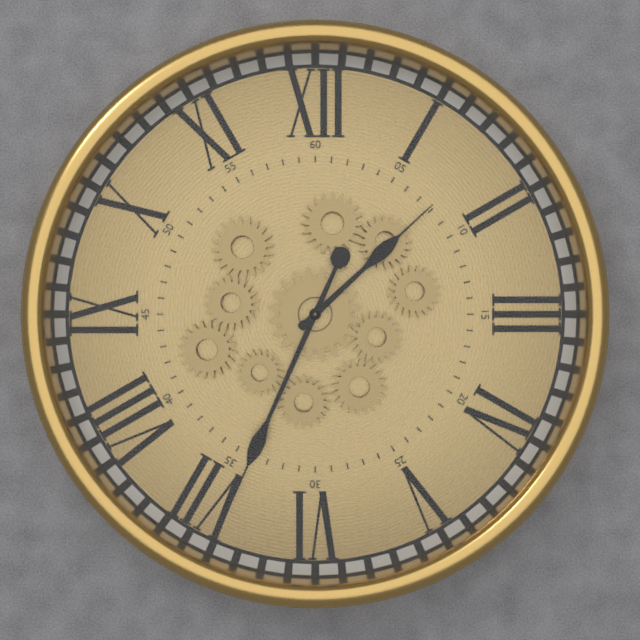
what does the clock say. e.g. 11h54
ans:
1h34
